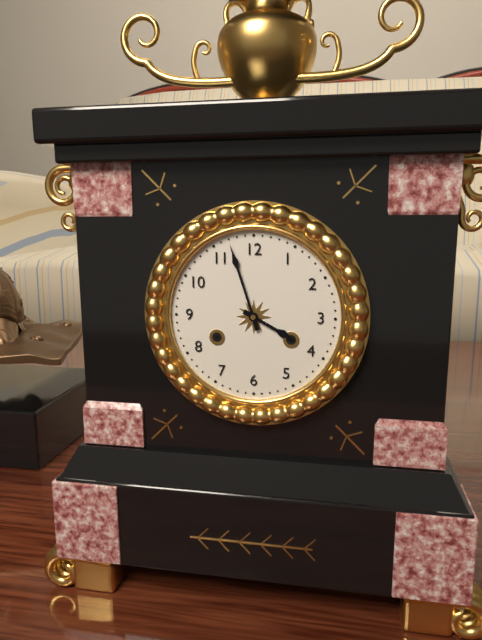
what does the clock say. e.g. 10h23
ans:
3h57
